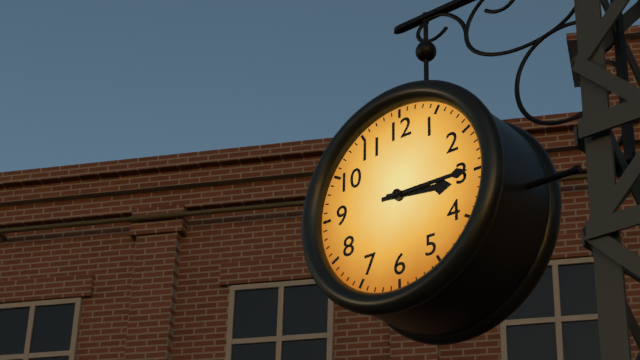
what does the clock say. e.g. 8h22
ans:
3h15
